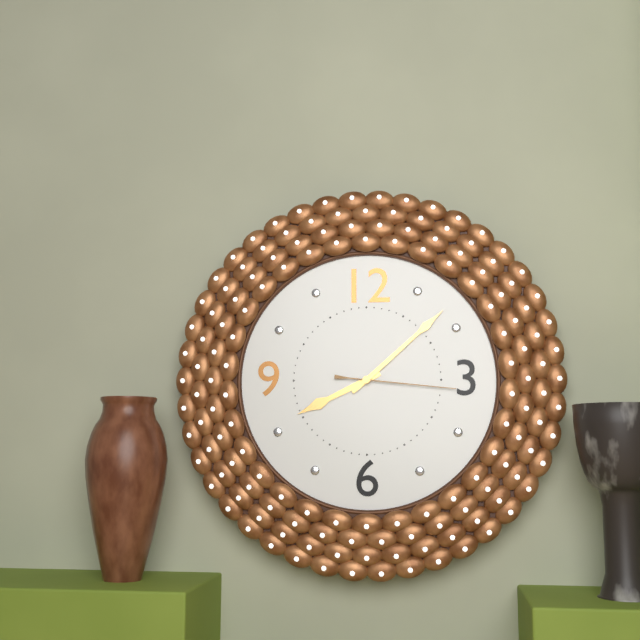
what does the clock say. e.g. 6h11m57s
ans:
8h08m16s
